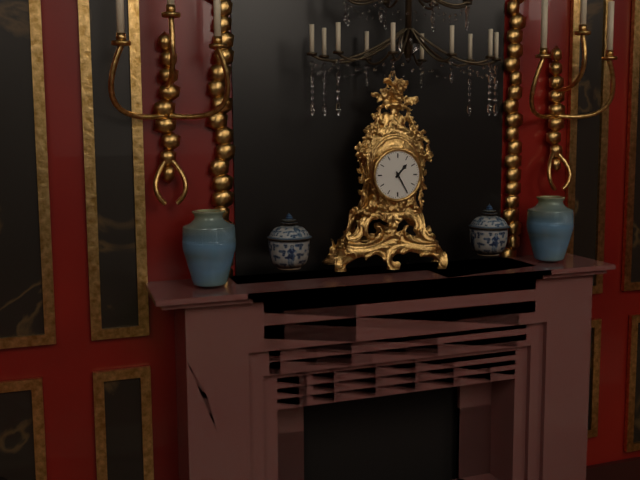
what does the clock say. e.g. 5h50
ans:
1h25
